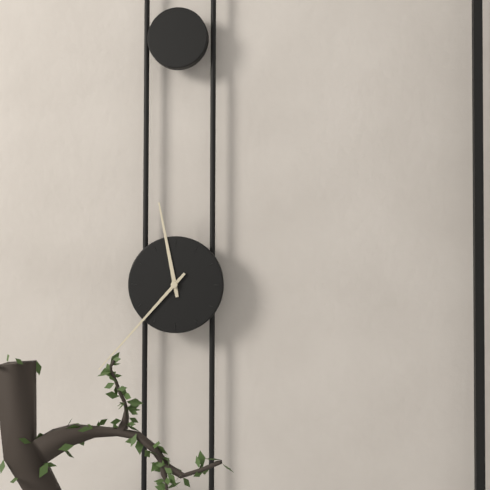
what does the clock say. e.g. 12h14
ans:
11h37
